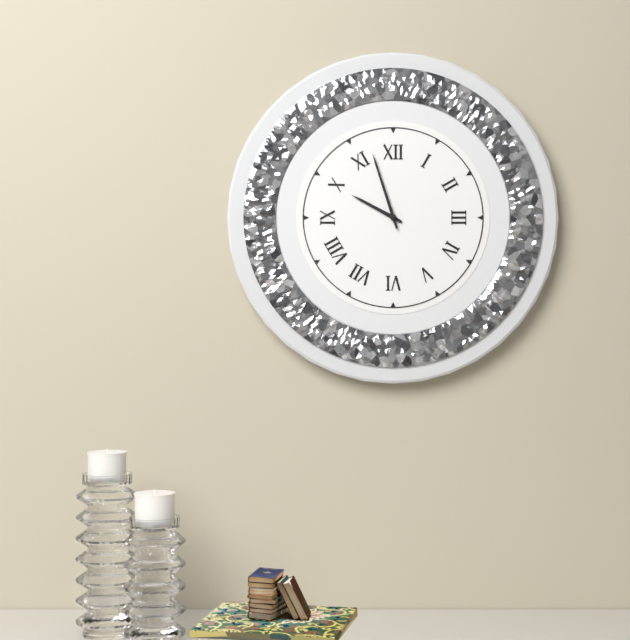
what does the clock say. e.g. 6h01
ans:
9h57
